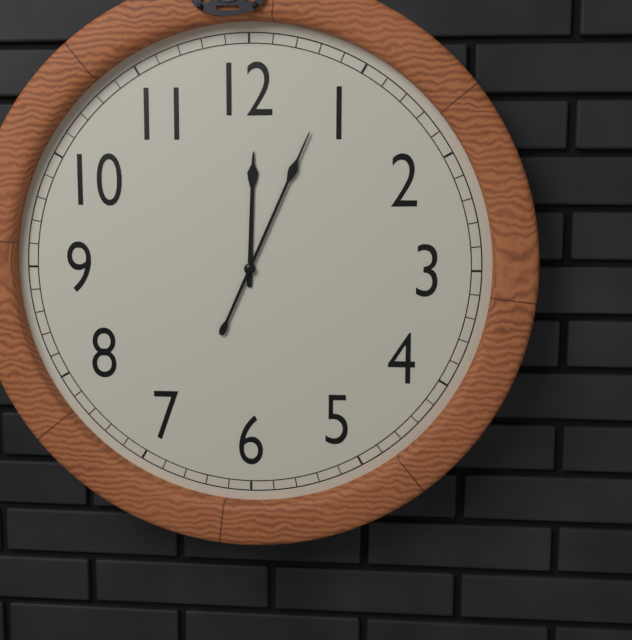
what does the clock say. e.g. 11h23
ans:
12h04
